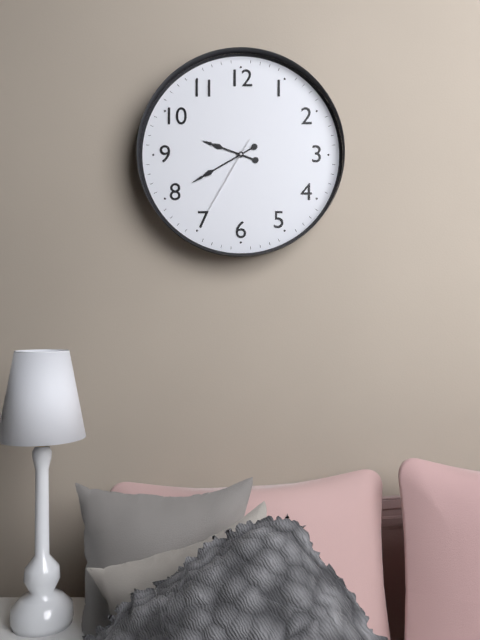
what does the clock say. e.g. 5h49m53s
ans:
9h40m35s
